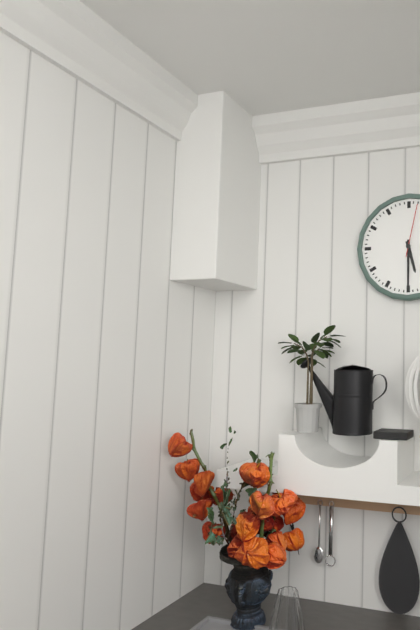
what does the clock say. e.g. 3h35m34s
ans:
5h30m02s
